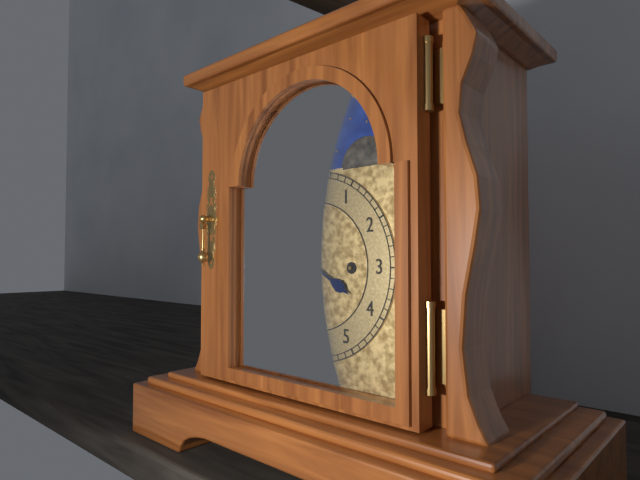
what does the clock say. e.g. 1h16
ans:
4h01
